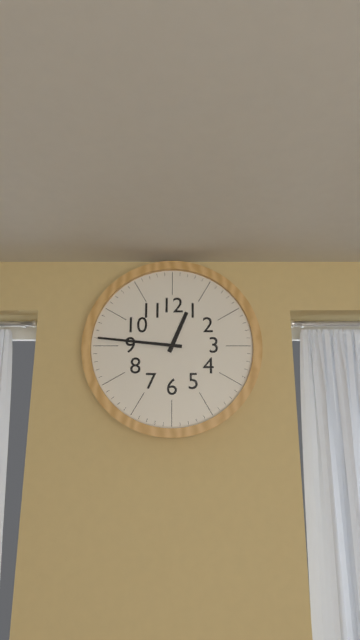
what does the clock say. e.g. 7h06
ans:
12h46
